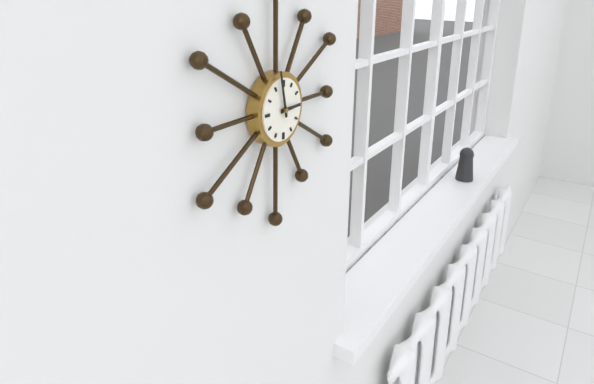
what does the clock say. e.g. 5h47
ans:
2h58
